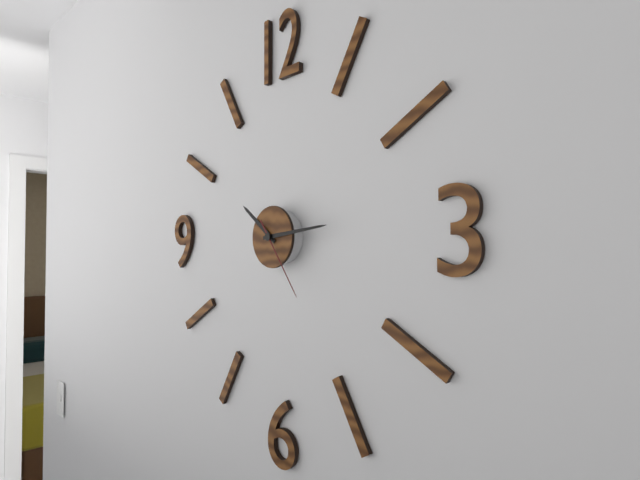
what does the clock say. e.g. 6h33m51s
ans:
10h14m24s
